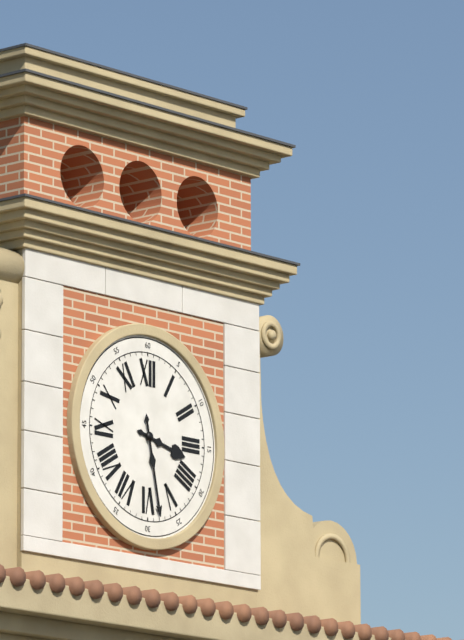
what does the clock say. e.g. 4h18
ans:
3h28
